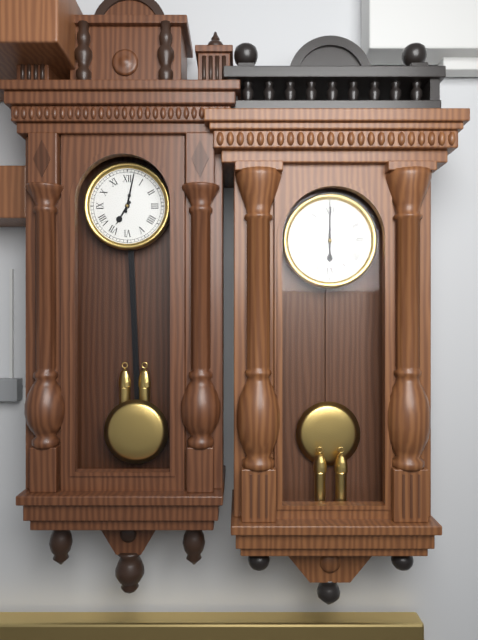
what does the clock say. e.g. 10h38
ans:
7h02
